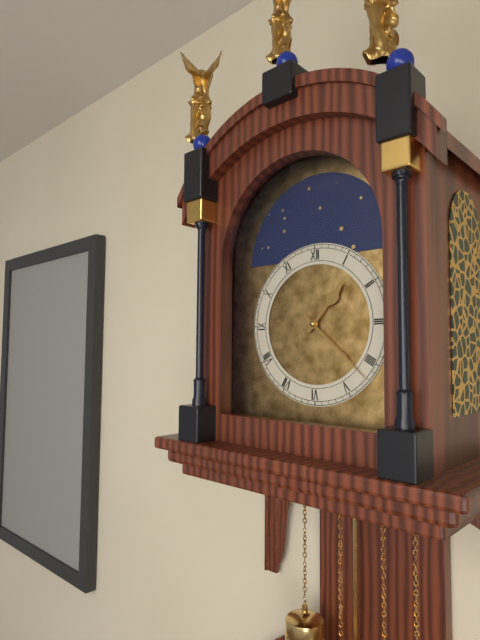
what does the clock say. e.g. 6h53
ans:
1h22
